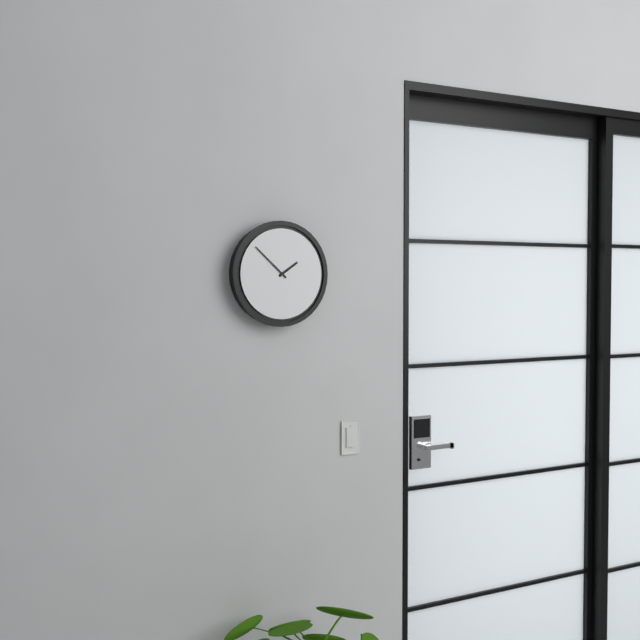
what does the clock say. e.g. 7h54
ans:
1h52
